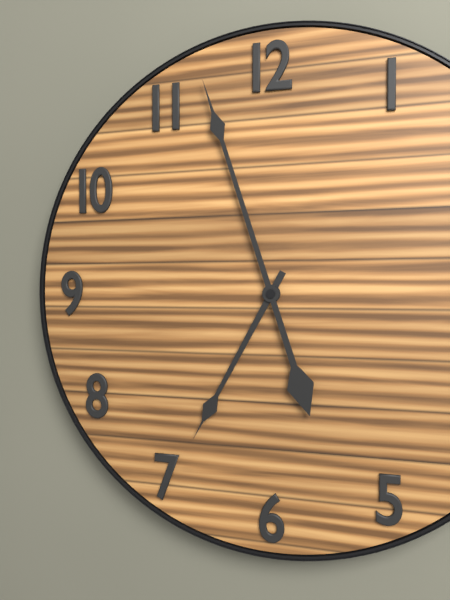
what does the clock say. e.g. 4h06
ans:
6h57
